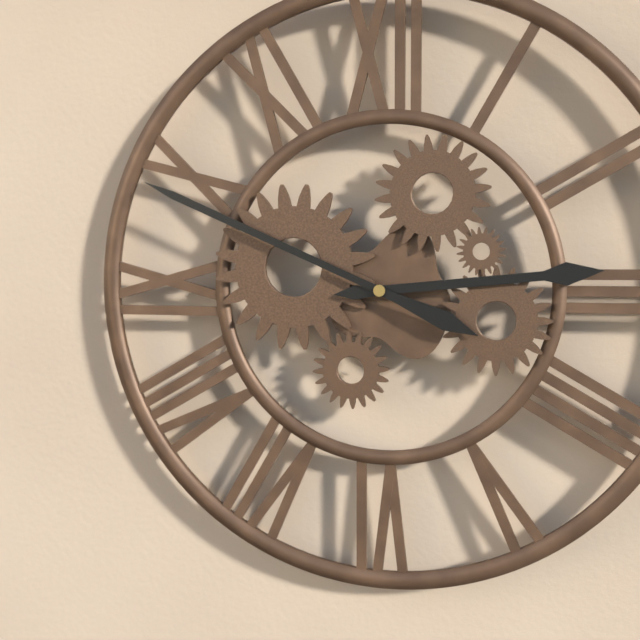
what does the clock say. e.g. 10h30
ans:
2h49
